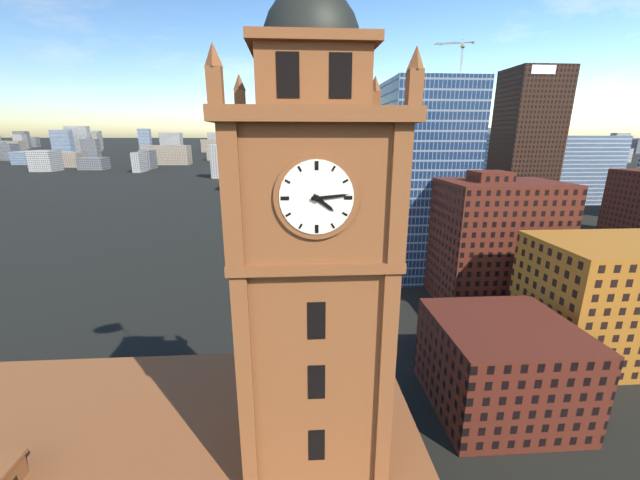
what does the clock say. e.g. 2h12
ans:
4h14
